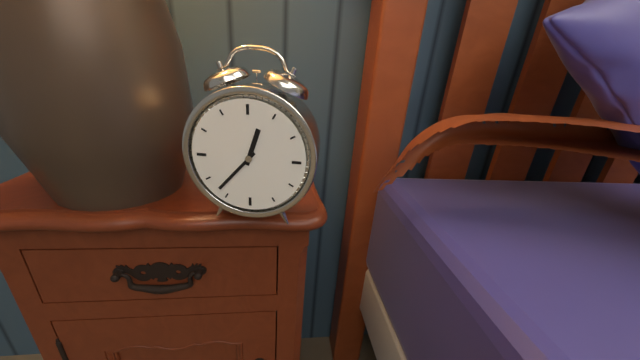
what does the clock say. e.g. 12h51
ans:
12h37
